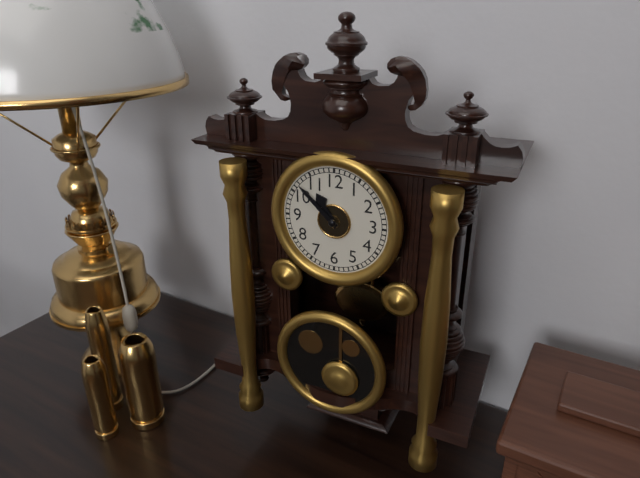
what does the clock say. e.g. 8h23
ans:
10h52
